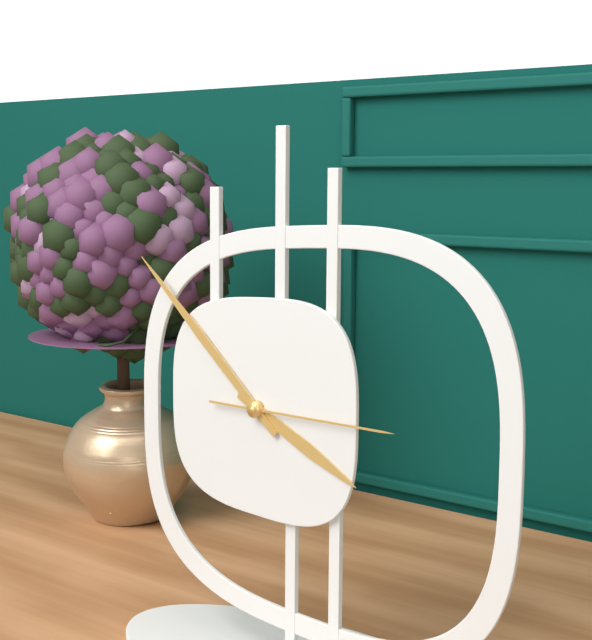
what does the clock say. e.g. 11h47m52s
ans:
3h52m15s
